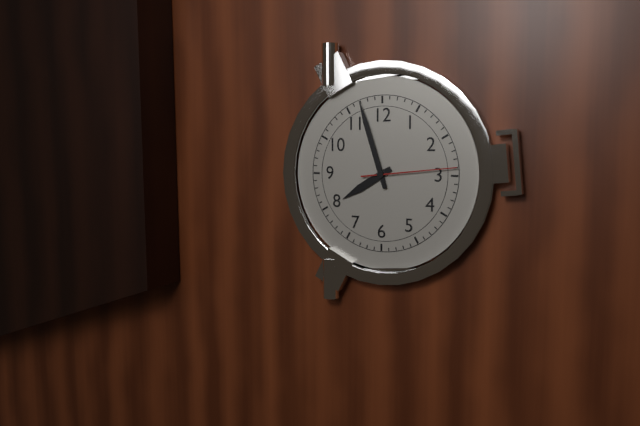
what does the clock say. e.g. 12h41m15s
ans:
7h57m14s
